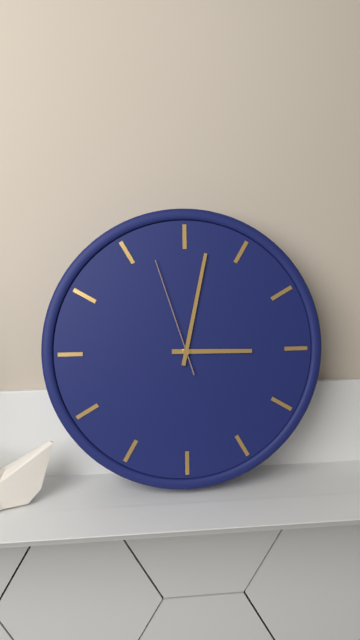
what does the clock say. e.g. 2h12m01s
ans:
3h02m57s
